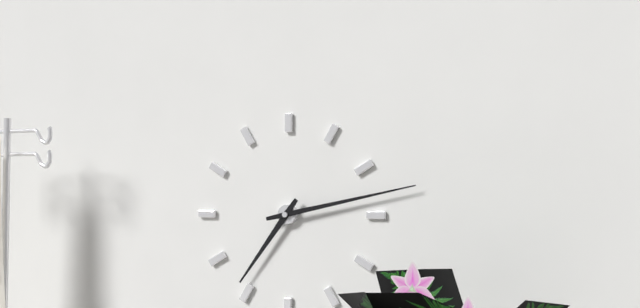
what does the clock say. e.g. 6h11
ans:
7h13
